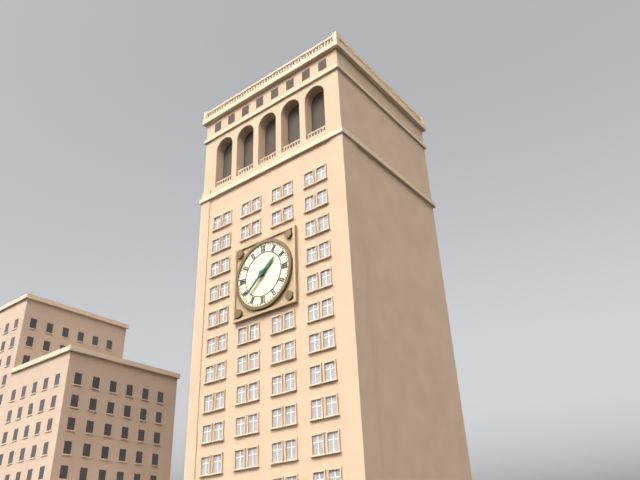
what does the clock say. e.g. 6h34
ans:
1h38
